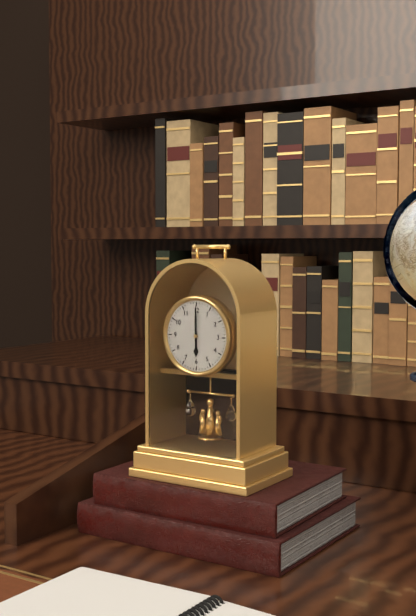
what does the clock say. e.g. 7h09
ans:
6h00
